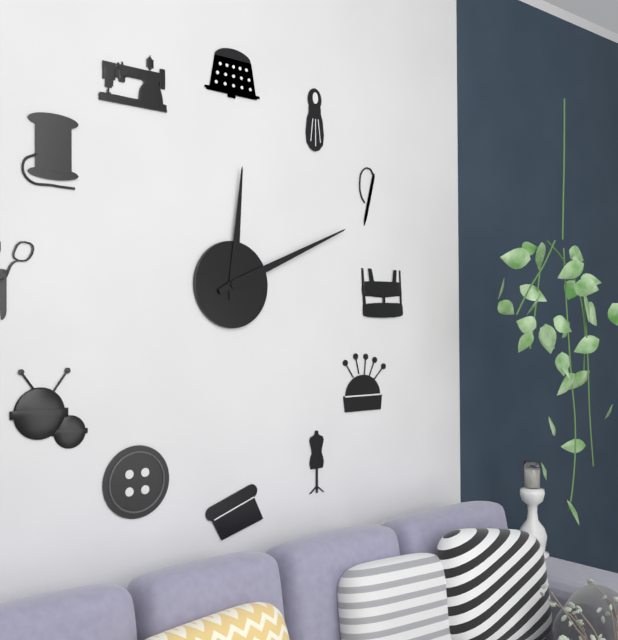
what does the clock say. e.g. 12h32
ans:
12h11
